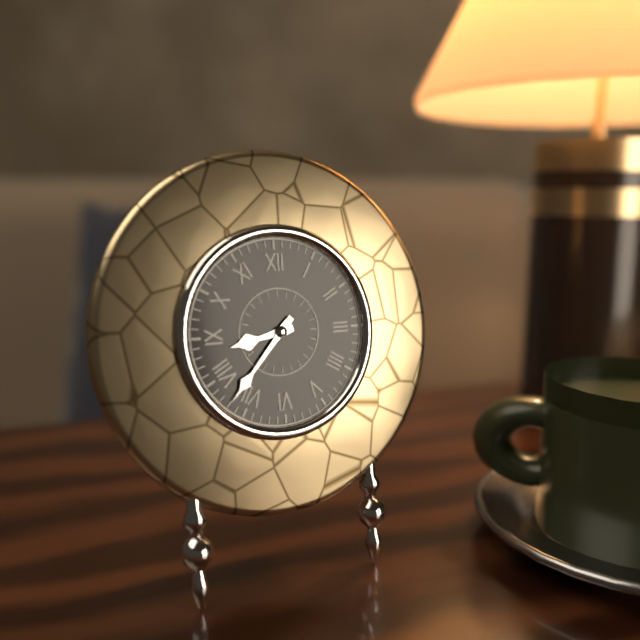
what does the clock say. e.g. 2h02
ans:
8h37
